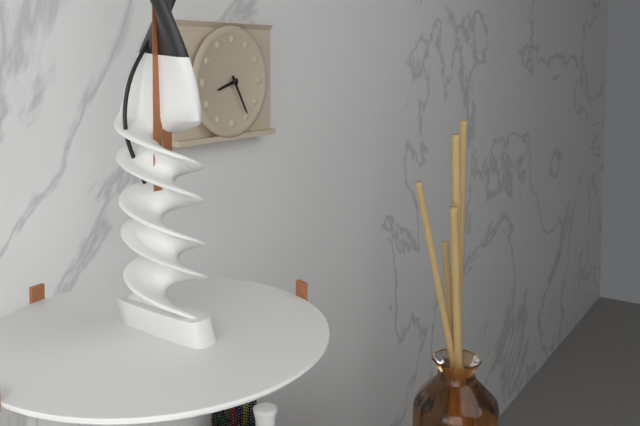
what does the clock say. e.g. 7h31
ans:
8h25
